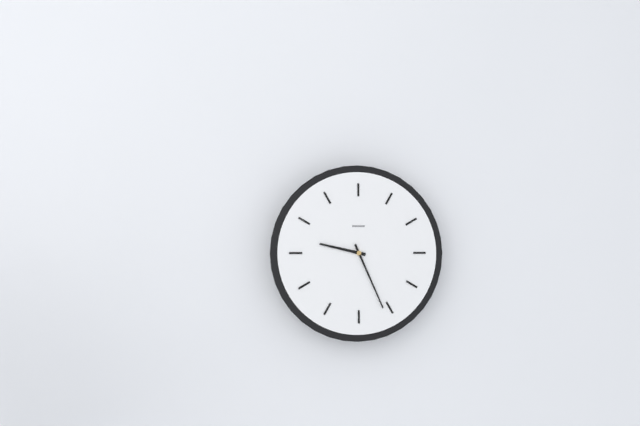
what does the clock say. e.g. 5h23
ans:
9h26
